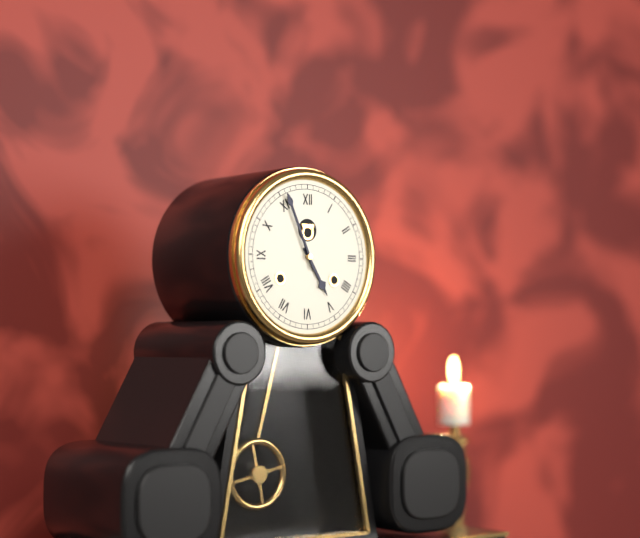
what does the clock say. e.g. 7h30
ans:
4h56
